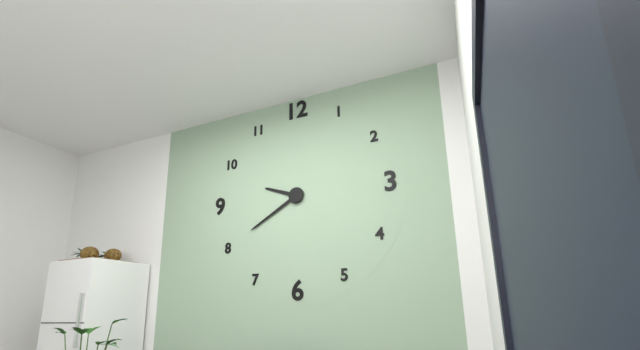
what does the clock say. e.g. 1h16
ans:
9h40
